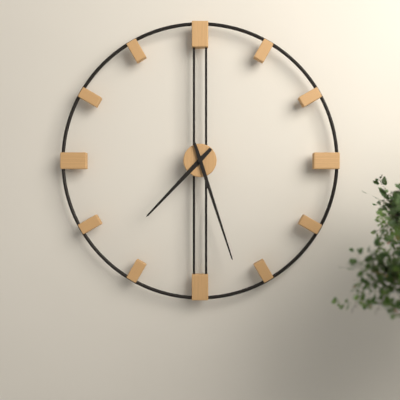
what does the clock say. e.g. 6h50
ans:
7h27
